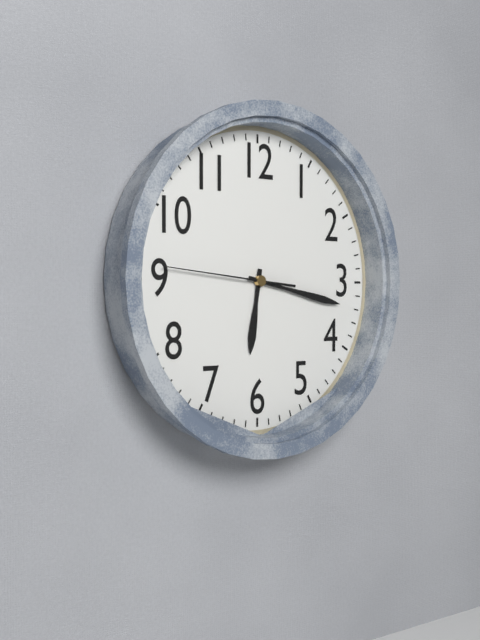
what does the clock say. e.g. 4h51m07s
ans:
6h17m46s
